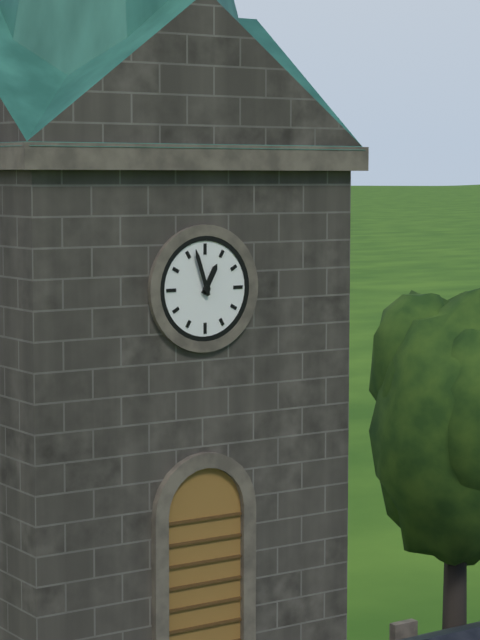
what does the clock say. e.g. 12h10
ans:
12h57
